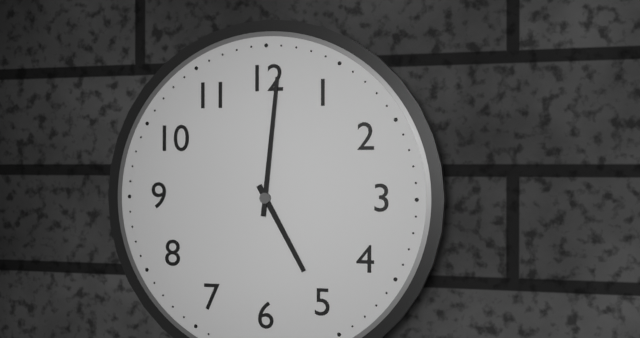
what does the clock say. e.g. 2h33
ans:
5h01
